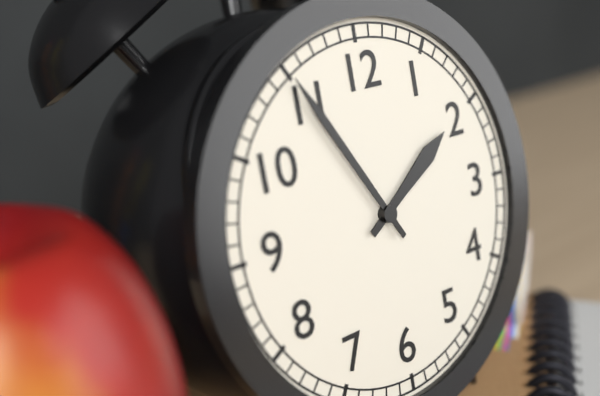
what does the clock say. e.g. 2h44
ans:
1h55
